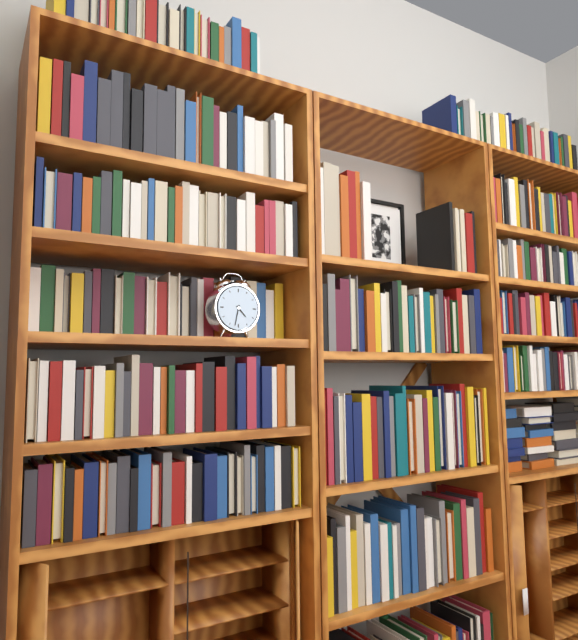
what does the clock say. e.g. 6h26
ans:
4h32
